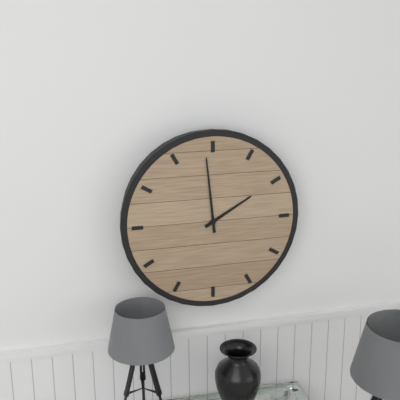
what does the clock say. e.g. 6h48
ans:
1h59
